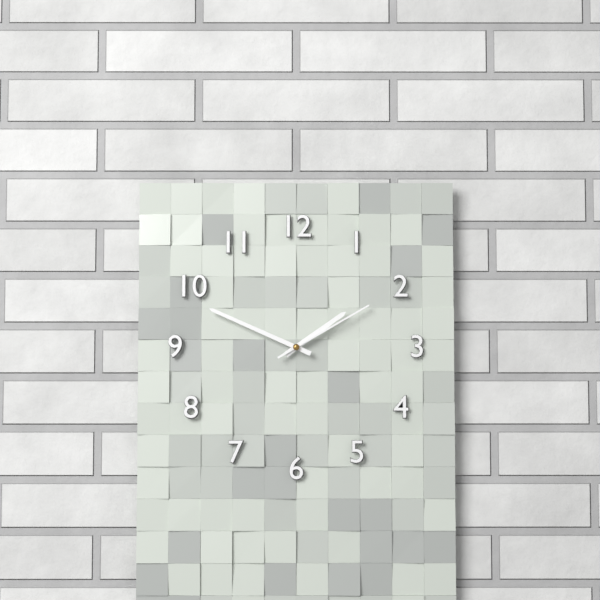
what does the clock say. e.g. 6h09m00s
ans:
1h49m10s
